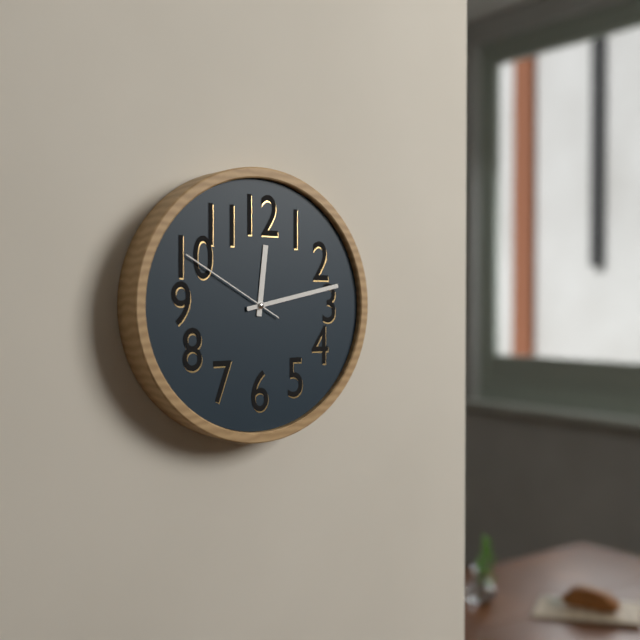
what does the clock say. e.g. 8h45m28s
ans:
12h13m50s
